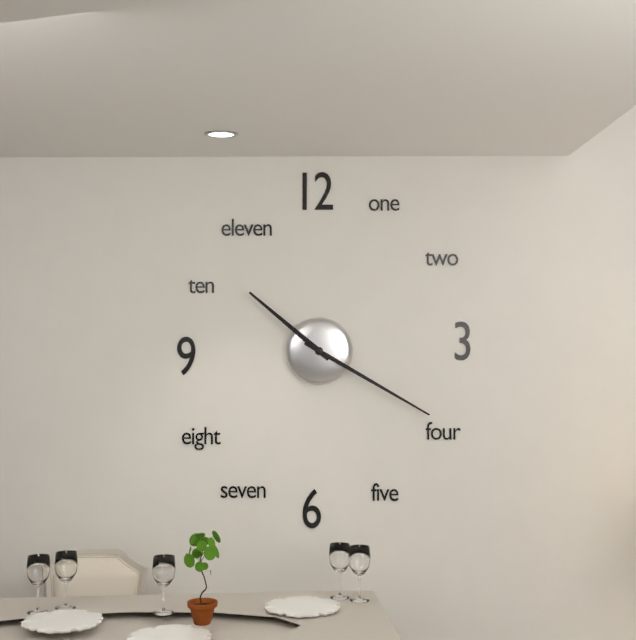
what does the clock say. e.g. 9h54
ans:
10h20
